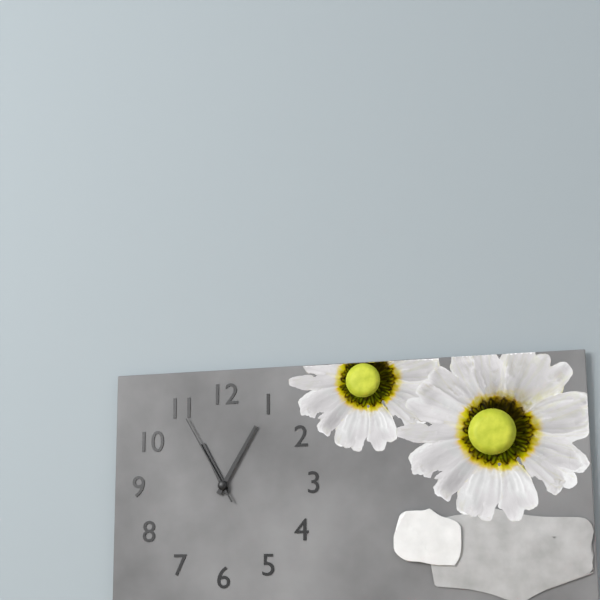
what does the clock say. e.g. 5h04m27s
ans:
11h05m55s
